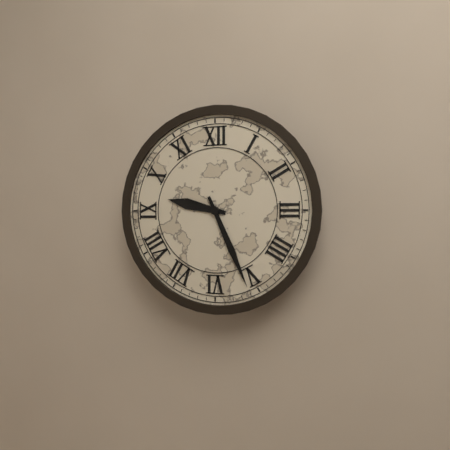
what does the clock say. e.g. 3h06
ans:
9h26
